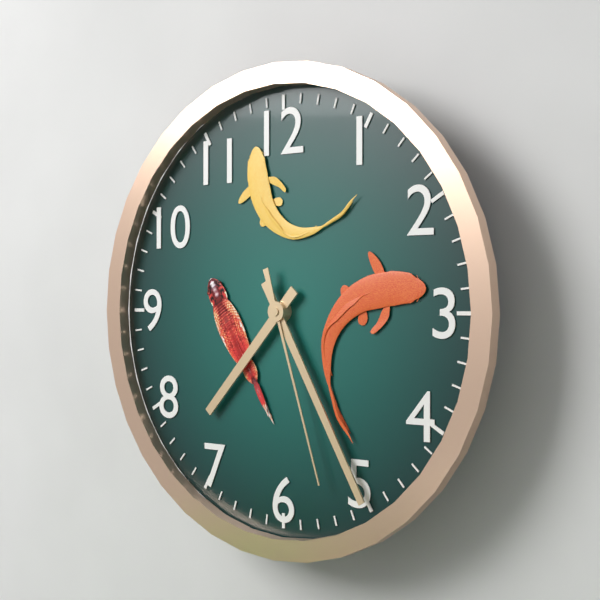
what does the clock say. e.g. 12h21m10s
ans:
7h25m27s
